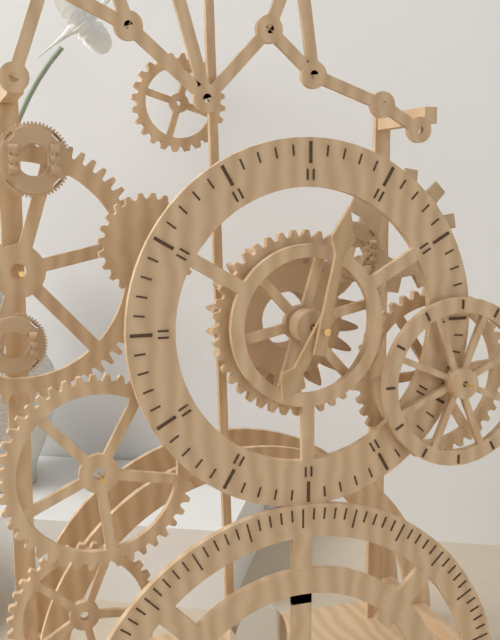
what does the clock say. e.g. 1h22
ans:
7h02
